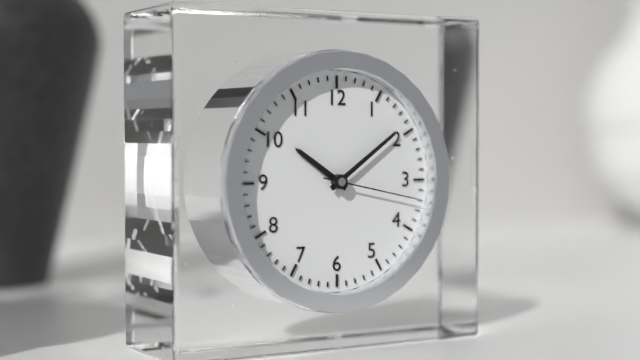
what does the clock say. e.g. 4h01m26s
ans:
10h09m17s
